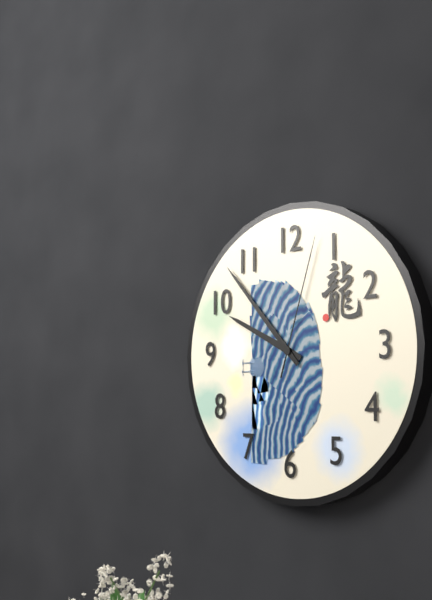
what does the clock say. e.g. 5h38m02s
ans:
9h53m03s
